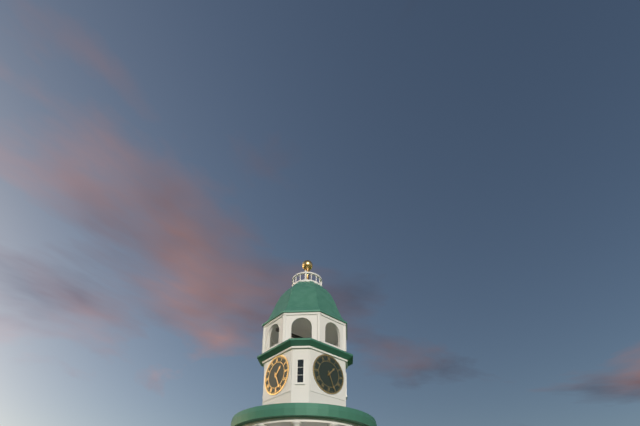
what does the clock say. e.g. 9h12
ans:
1h26
